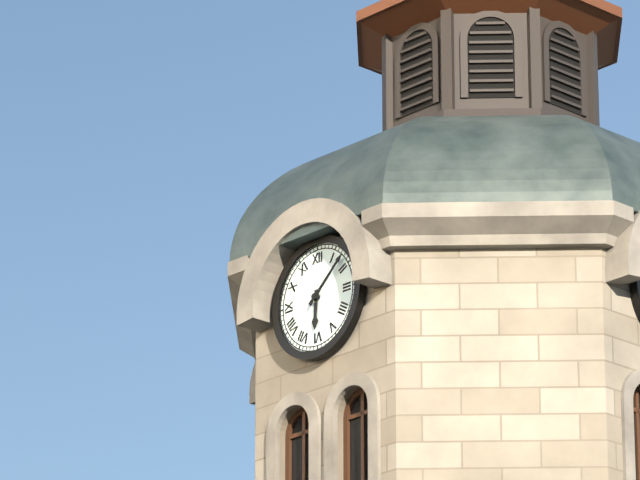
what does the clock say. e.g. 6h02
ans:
6h08
